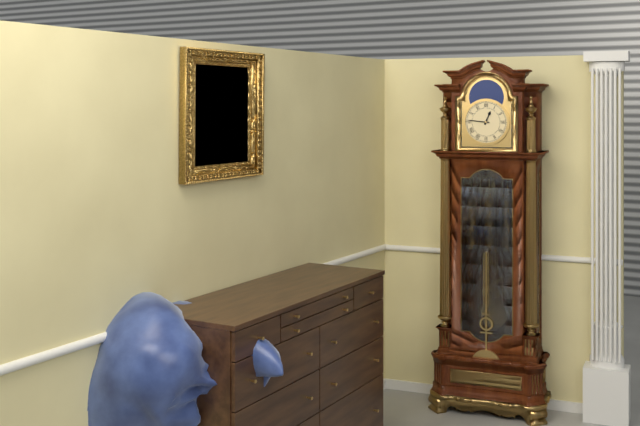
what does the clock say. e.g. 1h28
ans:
12h46
